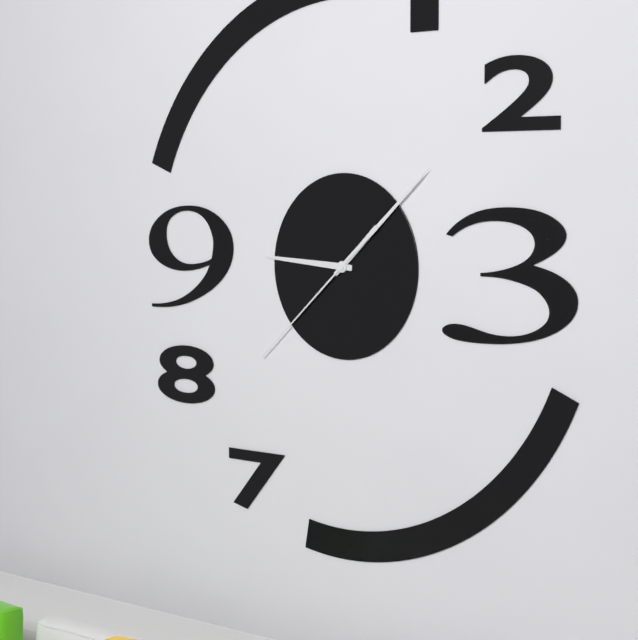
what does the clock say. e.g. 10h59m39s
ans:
9h08m38s
